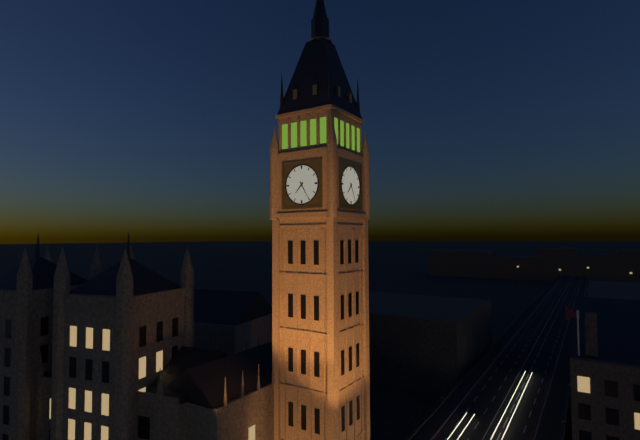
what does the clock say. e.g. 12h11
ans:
7h25
